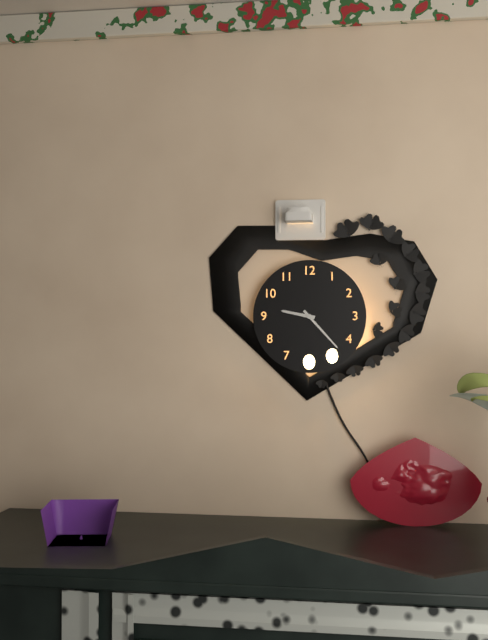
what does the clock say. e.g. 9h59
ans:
9h23
